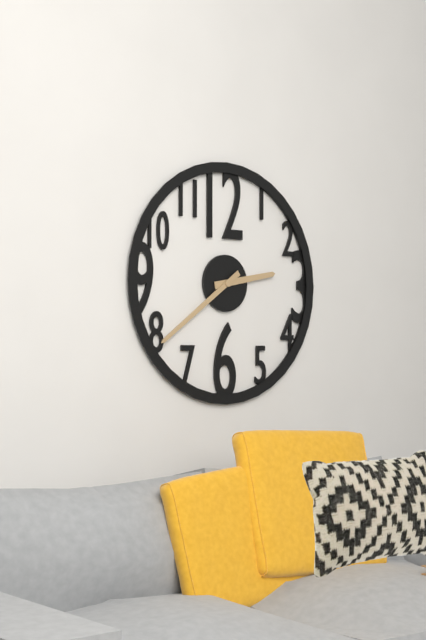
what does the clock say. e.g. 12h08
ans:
2h39
